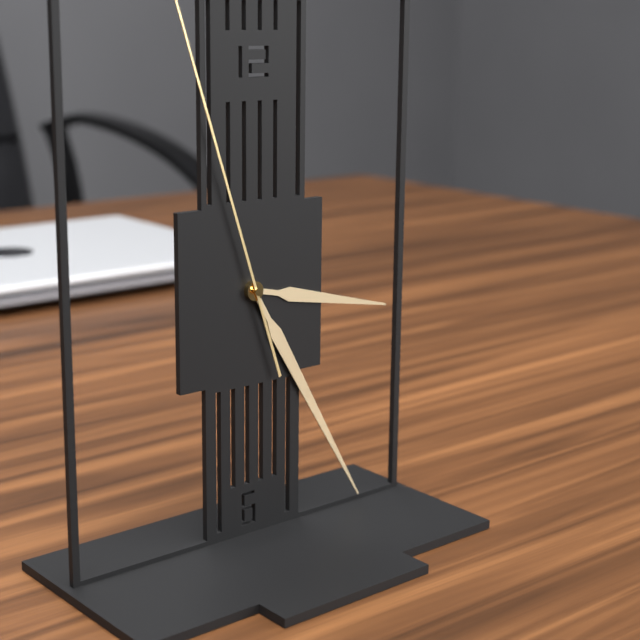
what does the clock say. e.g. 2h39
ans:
3h25
